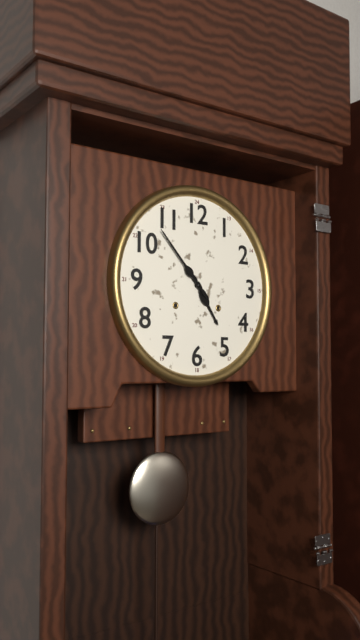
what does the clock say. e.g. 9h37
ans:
4h53
